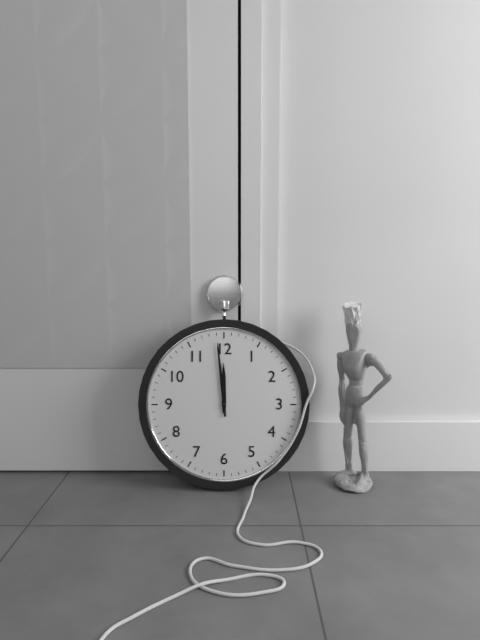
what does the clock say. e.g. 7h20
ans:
11h59
